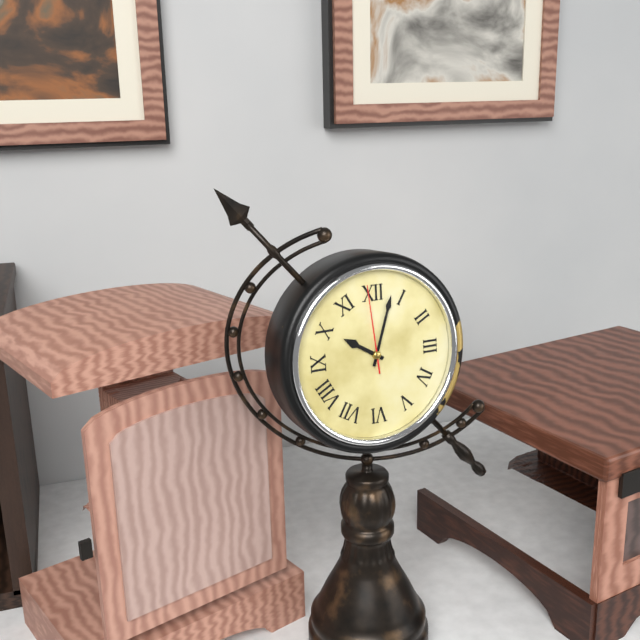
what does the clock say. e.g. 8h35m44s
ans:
10h03m59s
